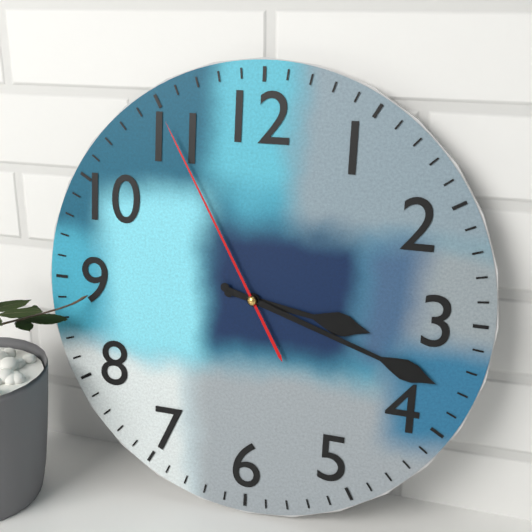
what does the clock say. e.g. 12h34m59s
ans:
3h18m55s
